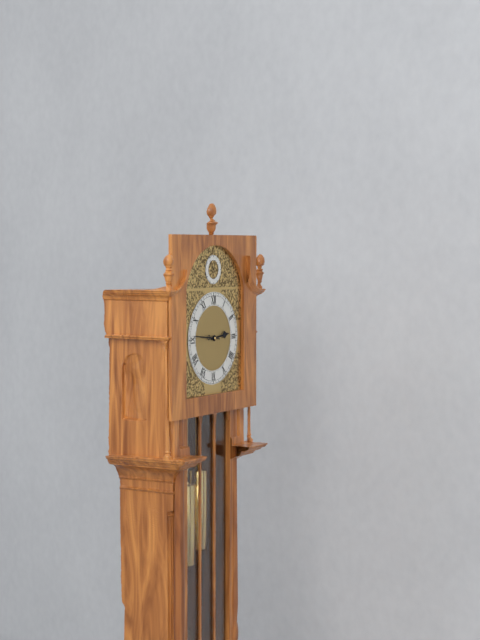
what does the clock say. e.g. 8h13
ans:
2h46
